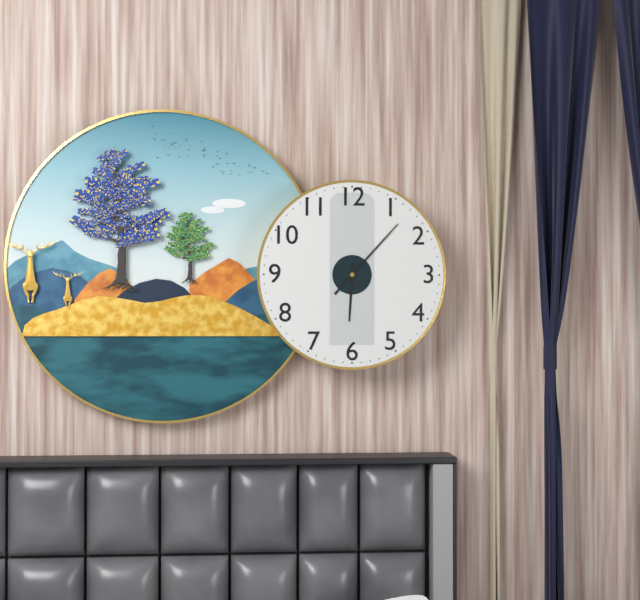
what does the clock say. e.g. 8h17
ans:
6h07
